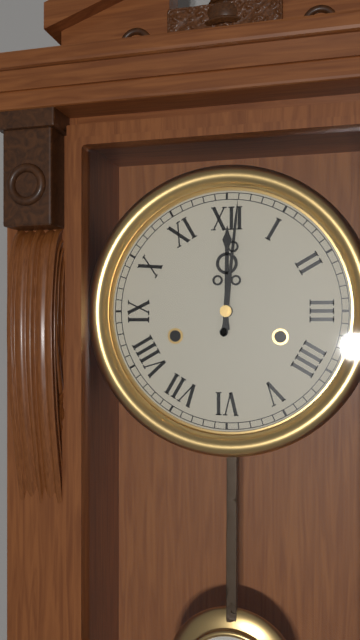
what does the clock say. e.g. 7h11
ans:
12h01
